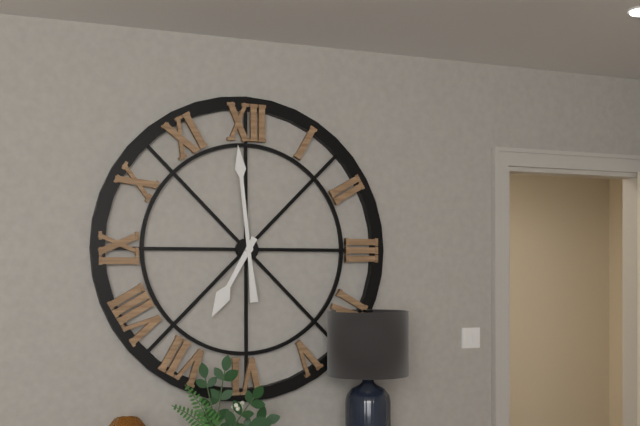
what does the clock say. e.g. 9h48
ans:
6h59
